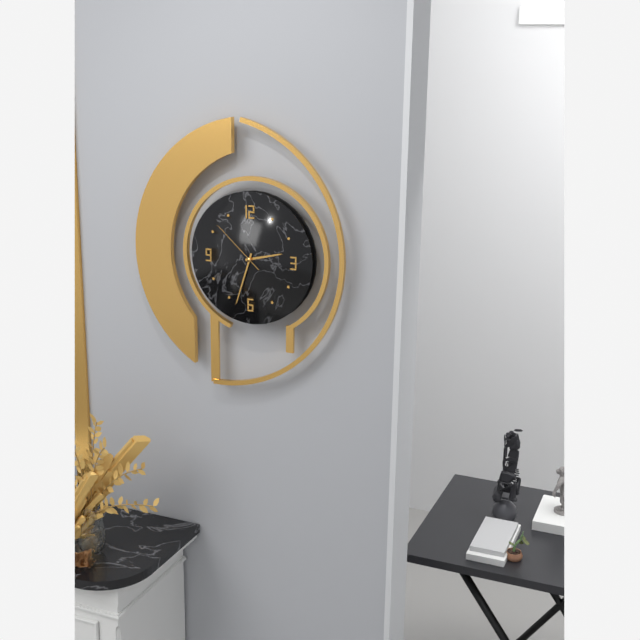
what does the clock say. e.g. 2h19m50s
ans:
2h33m52s
